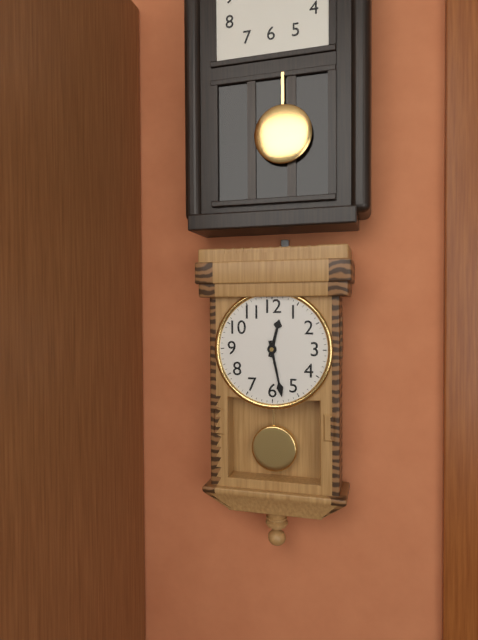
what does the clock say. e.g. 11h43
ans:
12h28
